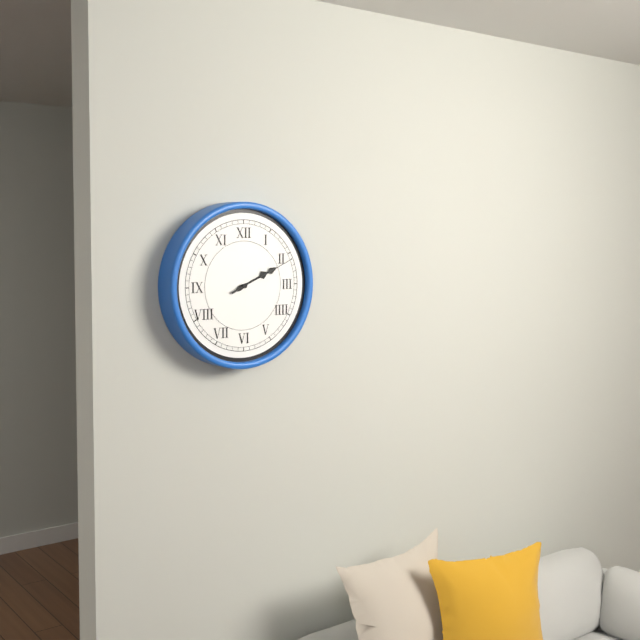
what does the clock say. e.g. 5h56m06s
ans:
2h11m11s
